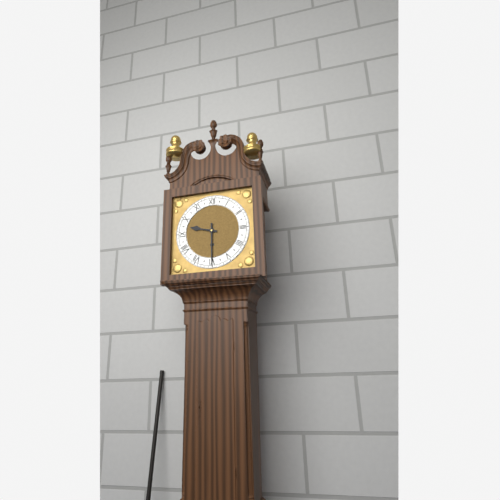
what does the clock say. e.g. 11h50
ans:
9h30
